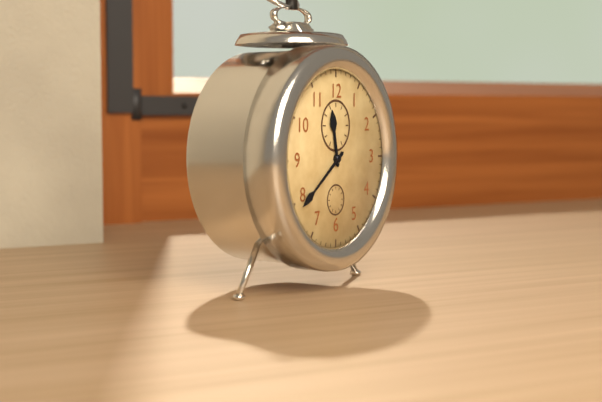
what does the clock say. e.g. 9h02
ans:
11h39
